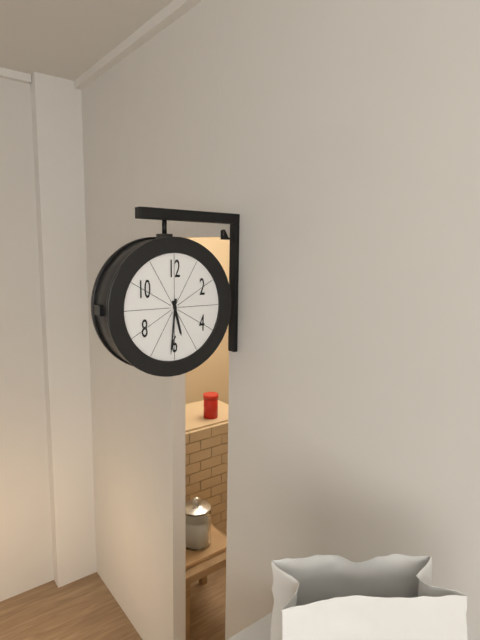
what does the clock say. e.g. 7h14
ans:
5h31
